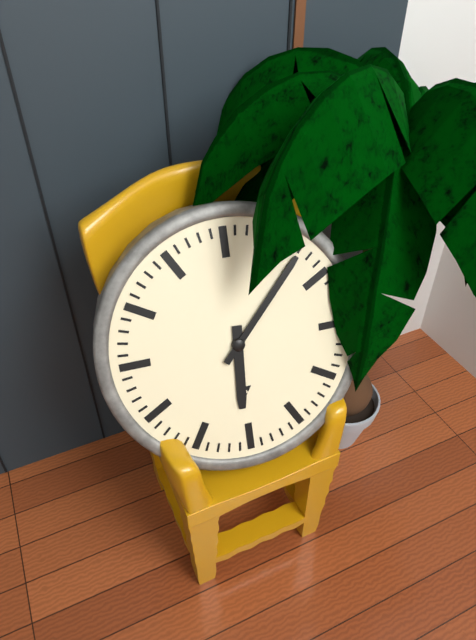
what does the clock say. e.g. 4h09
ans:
6h07
